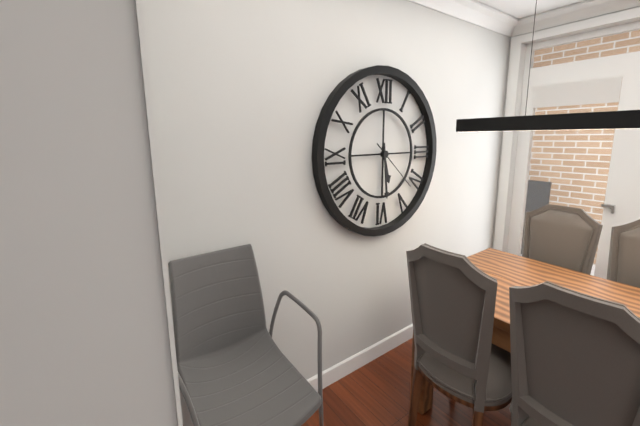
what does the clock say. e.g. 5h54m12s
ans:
5h29m22s
